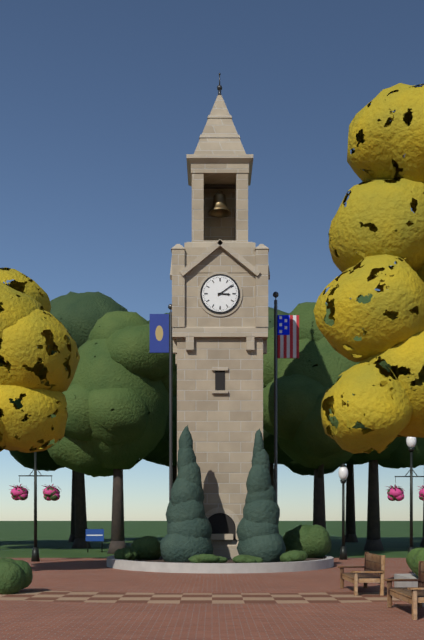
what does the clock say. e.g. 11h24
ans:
3h09
